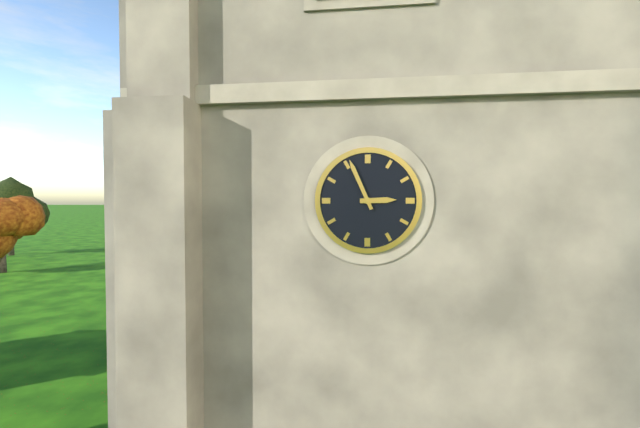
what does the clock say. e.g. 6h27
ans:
2h56
